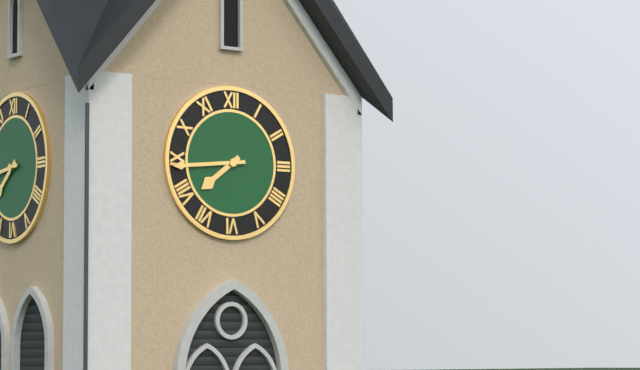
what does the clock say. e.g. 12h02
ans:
7h44
